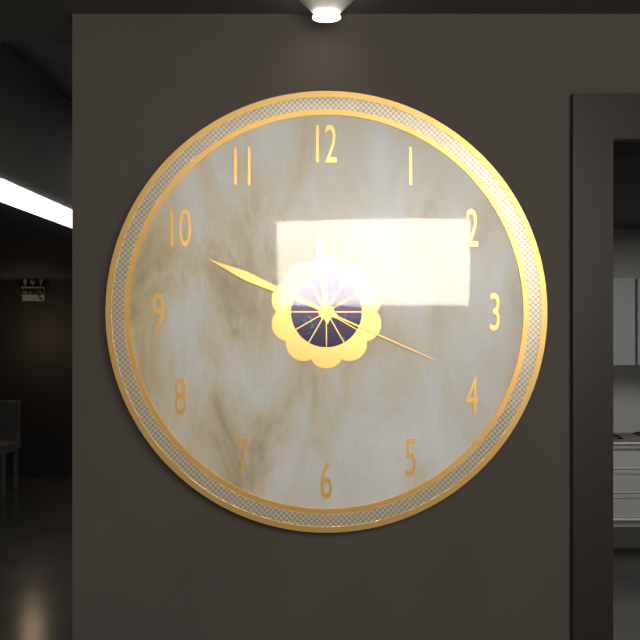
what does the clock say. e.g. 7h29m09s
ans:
11h49m19s
